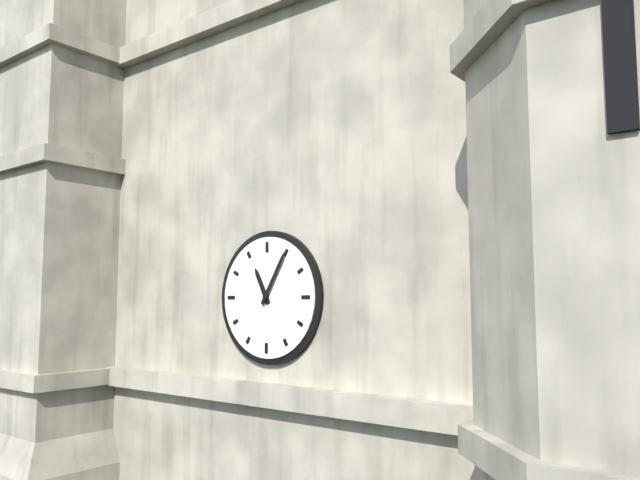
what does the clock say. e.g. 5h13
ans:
11h05
